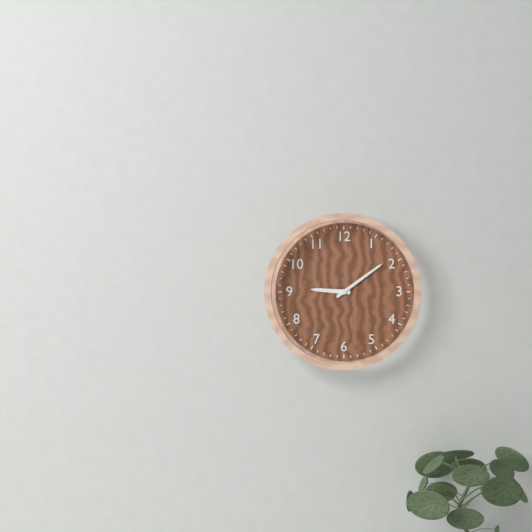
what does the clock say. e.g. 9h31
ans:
9h09
